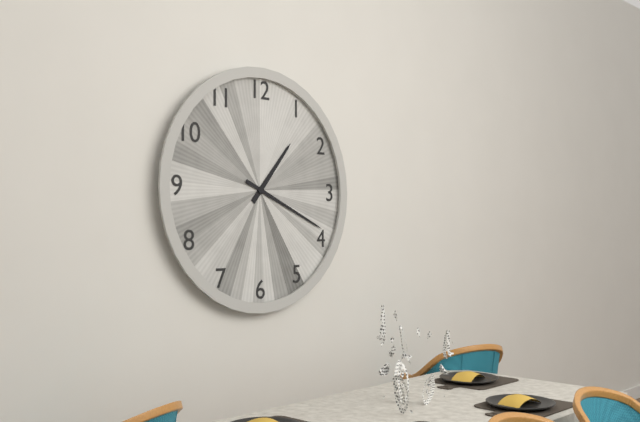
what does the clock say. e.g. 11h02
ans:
1h19
